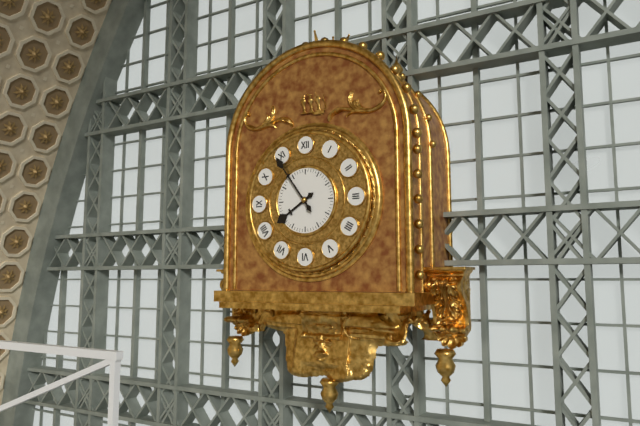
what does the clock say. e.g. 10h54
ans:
7h54
